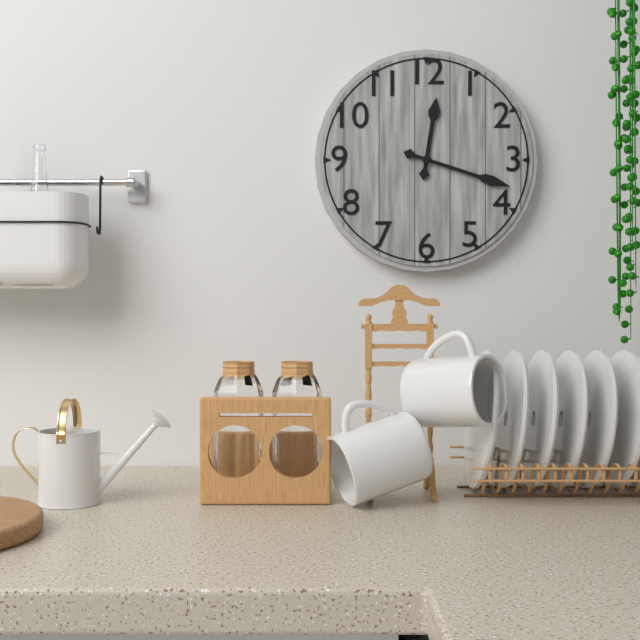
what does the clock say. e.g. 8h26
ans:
12h18
